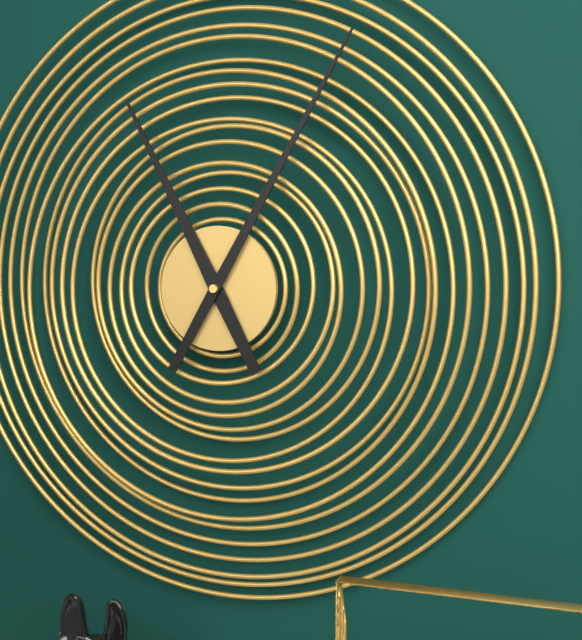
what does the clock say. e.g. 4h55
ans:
11h05
